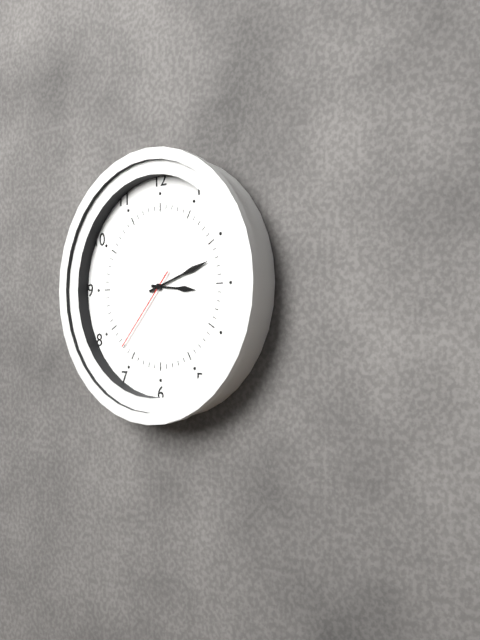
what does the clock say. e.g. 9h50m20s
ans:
3h12m37s
